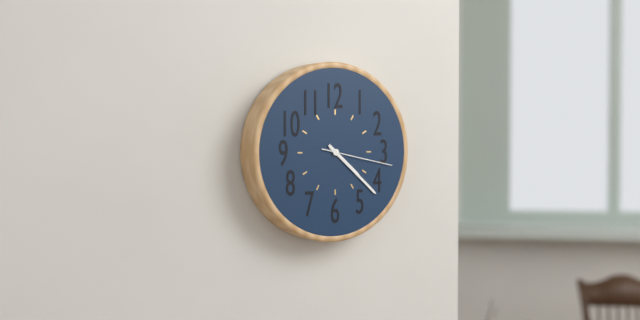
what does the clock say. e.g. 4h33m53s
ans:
4h22m17s
